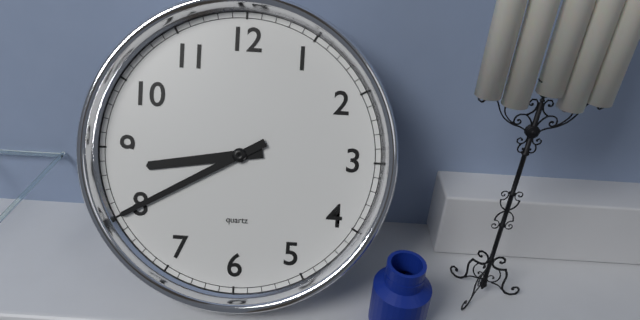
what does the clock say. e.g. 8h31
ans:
8h40
